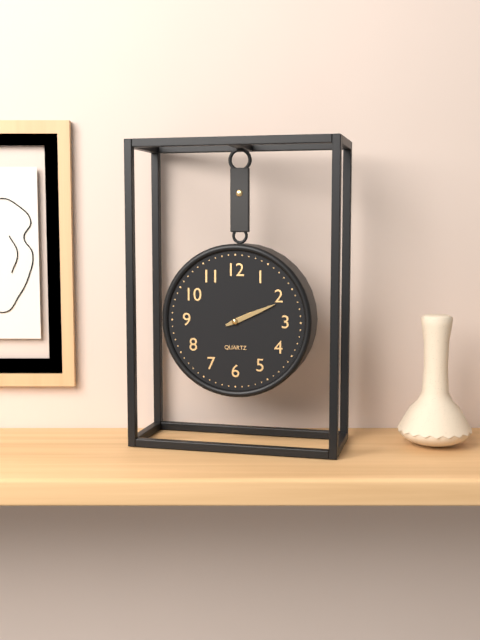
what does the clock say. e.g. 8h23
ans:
2h11
